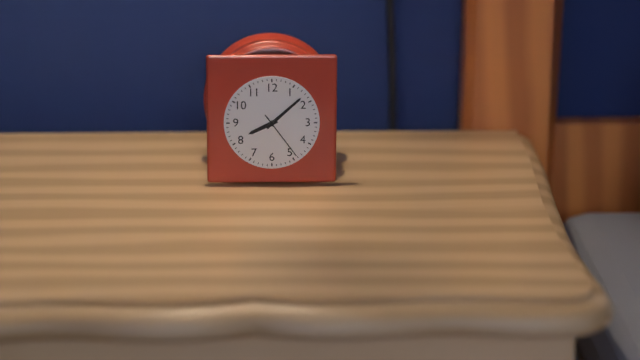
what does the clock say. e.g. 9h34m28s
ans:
8h08m24s
